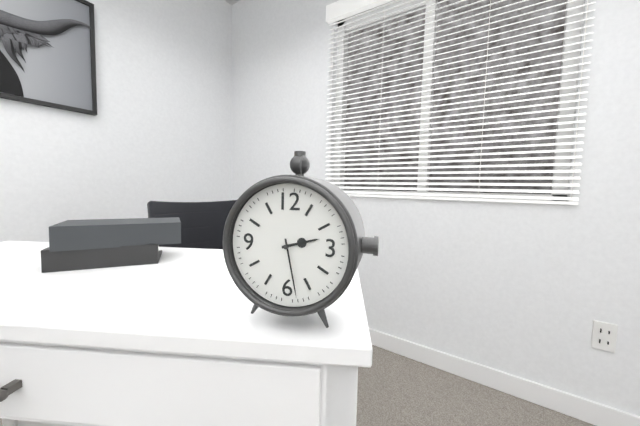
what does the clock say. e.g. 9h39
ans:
2h28
